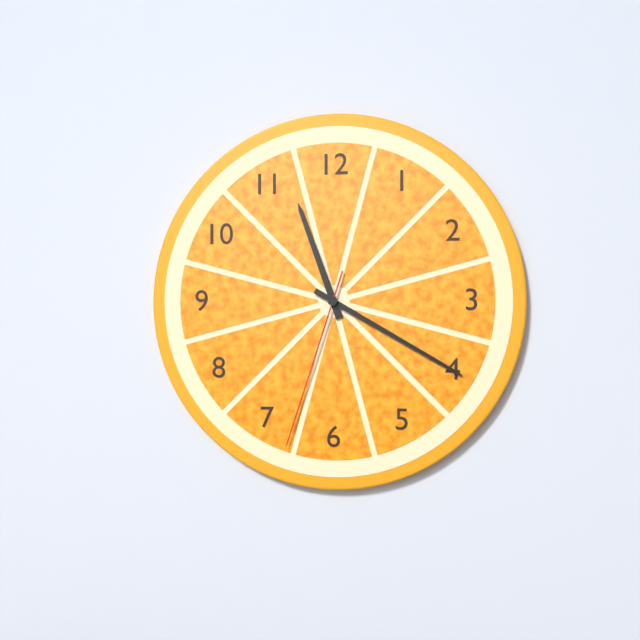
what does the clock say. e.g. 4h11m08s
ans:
11h20m33s
